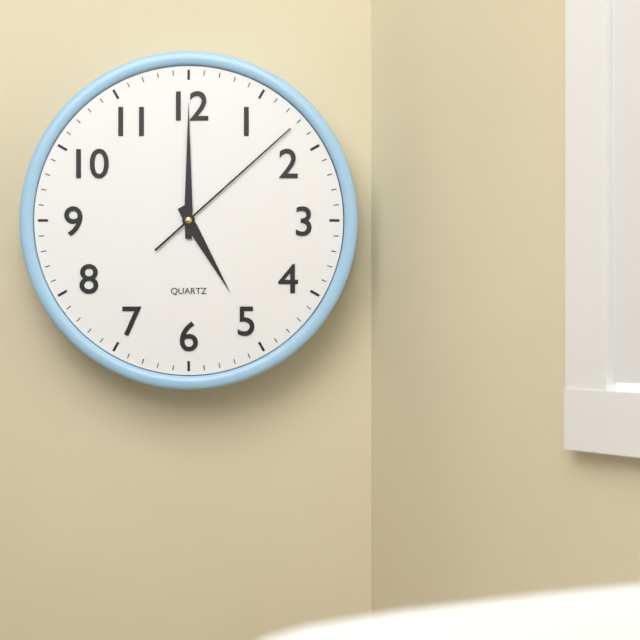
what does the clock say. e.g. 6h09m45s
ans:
5h00m08s
